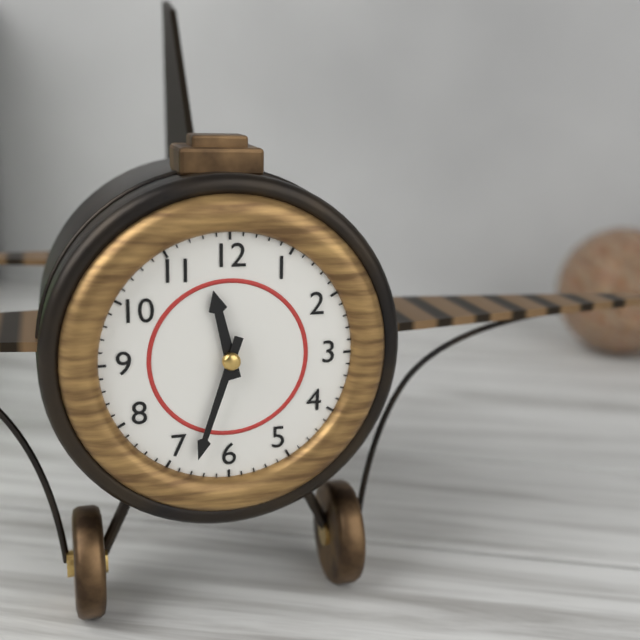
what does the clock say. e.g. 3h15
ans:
11h33
